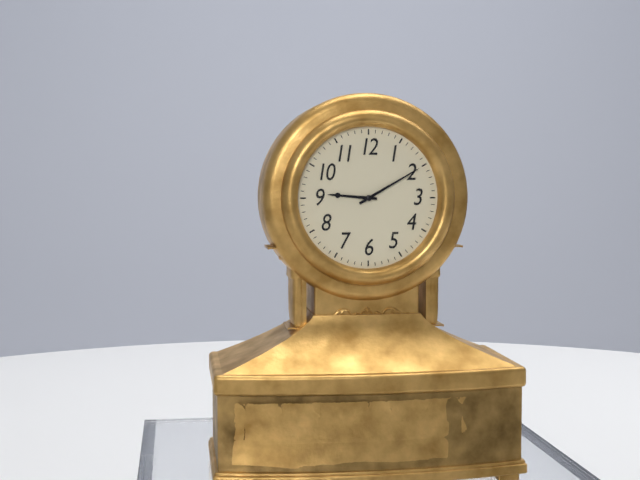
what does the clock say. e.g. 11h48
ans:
9h10
